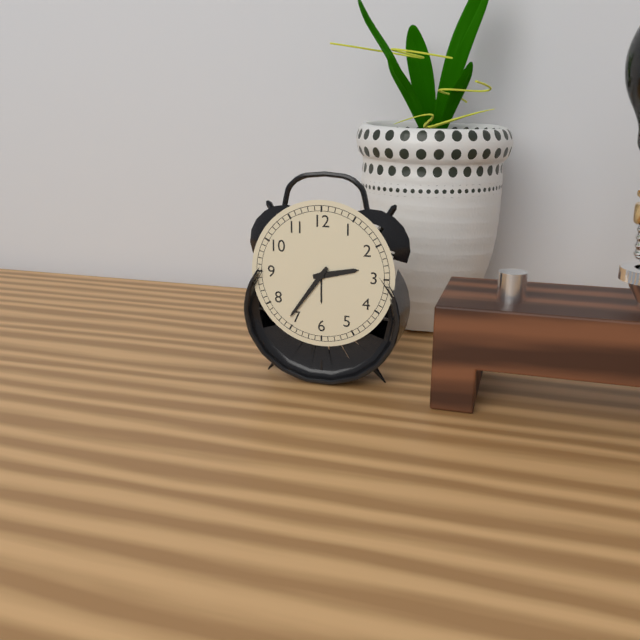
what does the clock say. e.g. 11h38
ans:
2h36
